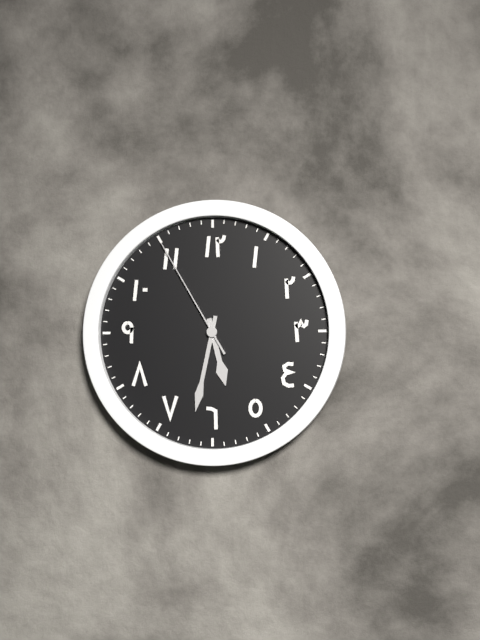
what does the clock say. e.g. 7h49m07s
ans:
5h32m55s
